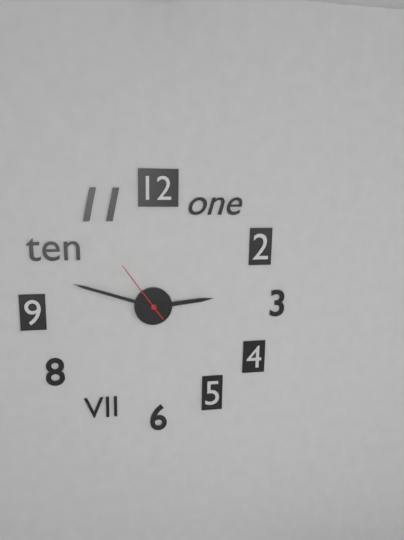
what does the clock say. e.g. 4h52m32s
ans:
2h48m54s
